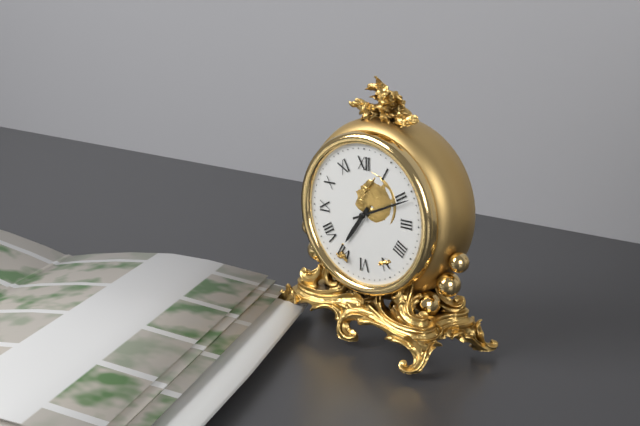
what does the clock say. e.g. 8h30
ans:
7h11
